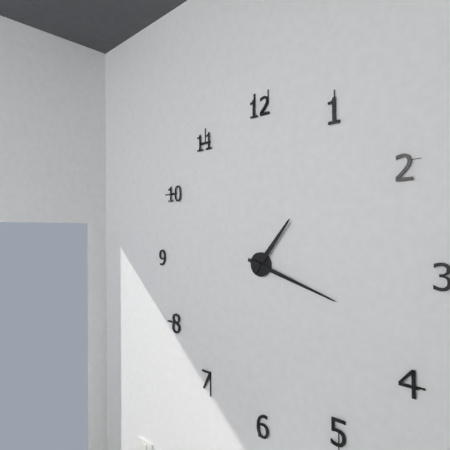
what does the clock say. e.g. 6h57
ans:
1h18
